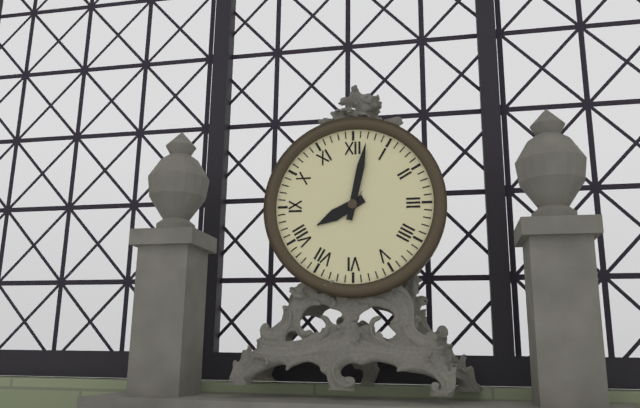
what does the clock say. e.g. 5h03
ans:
8h02
